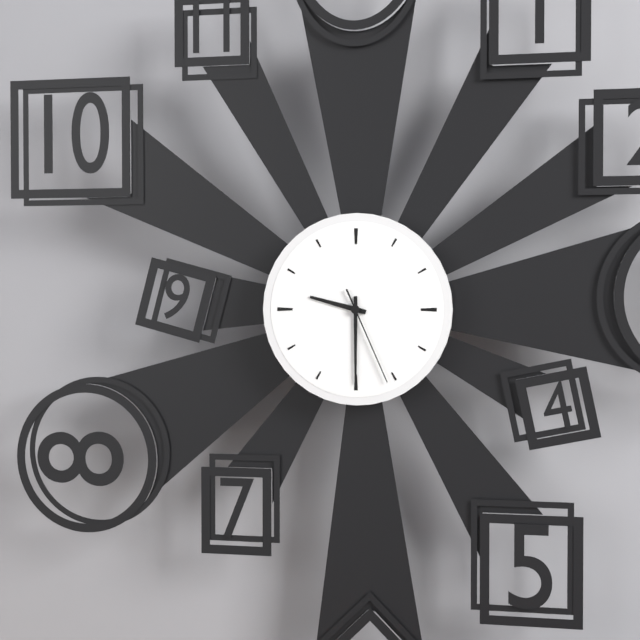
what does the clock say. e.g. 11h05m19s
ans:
9h30m26s
